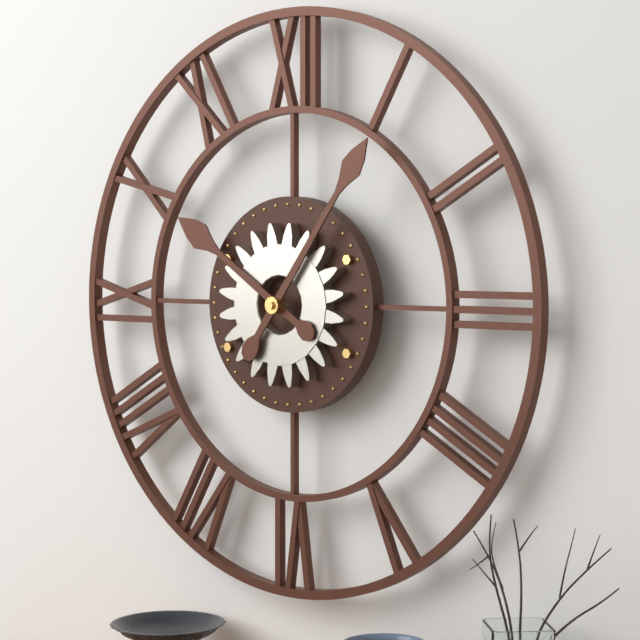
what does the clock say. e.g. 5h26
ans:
10h06
